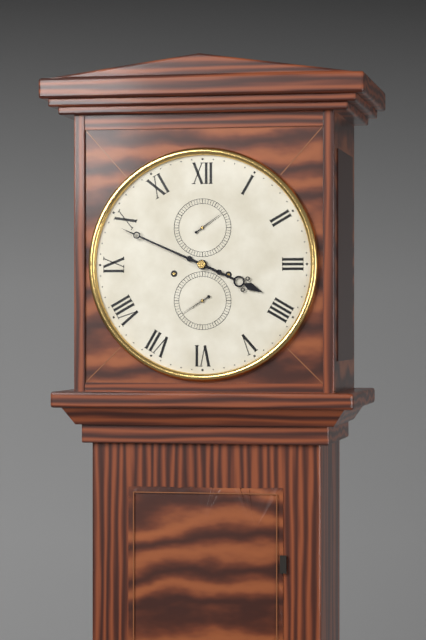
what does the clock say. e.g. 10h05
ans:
3h49
